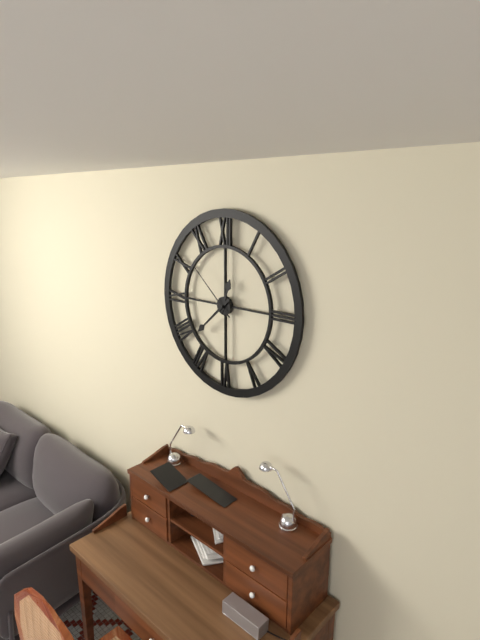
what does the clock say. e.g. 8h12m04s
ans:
12h38m52s
